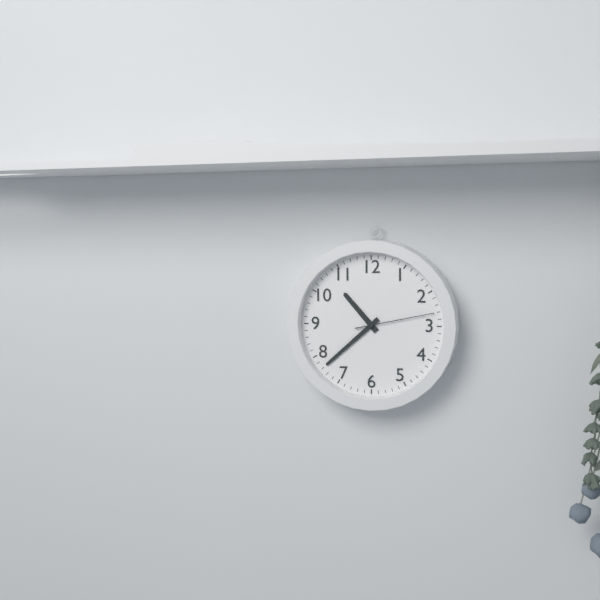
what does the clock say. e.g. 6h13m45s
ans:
10h38m13s
